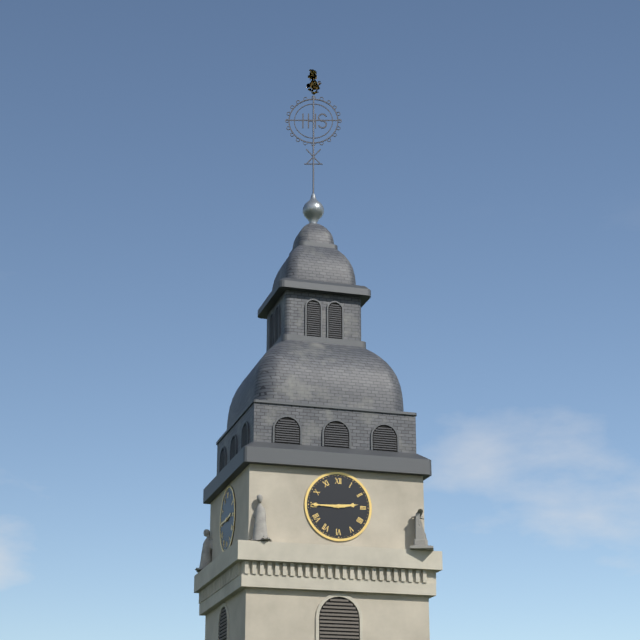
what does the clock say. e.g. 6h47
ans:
2h45
